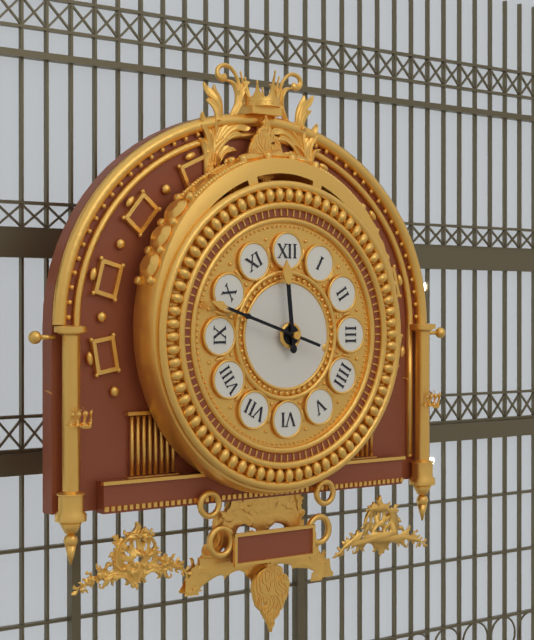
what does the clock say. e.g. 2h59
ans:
11h48
